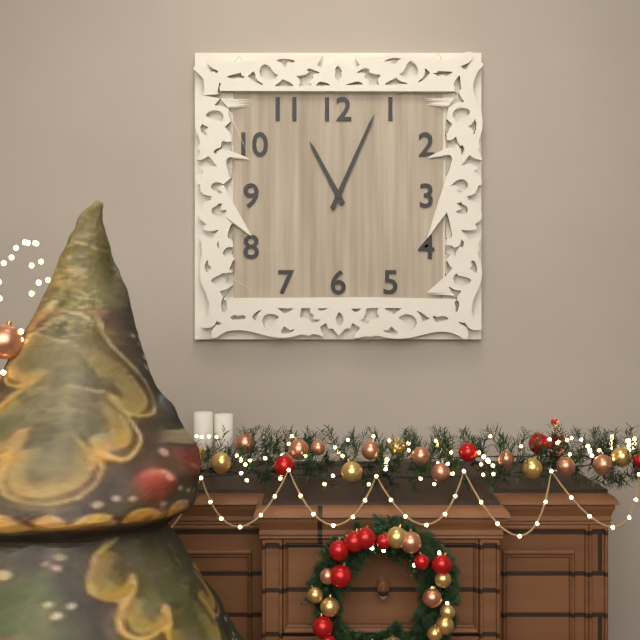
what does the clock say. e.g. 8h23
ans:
11h04
